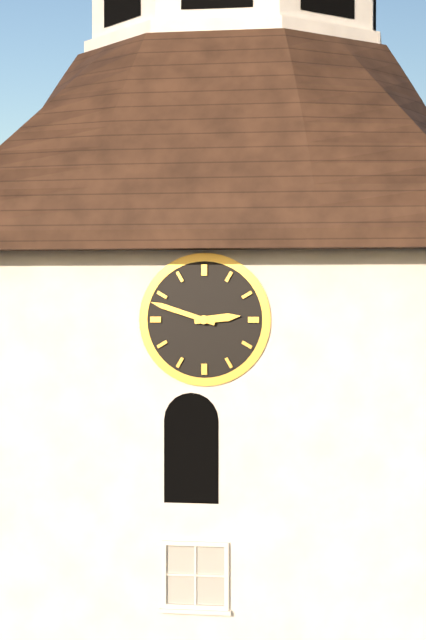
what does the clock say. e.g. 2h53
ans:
2h48
